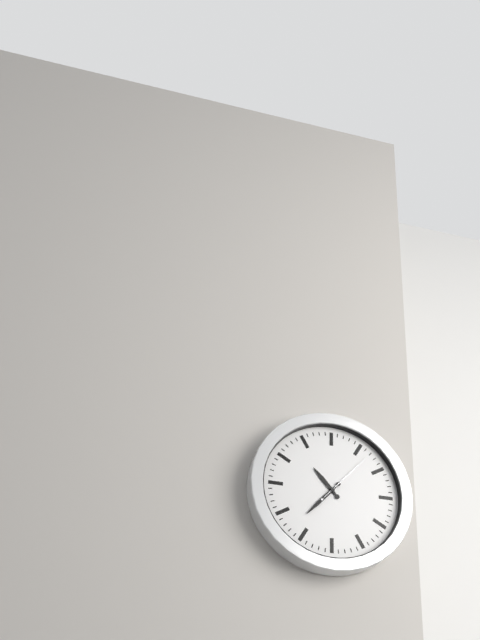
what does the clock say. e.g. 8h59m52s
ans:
10h37m07s
